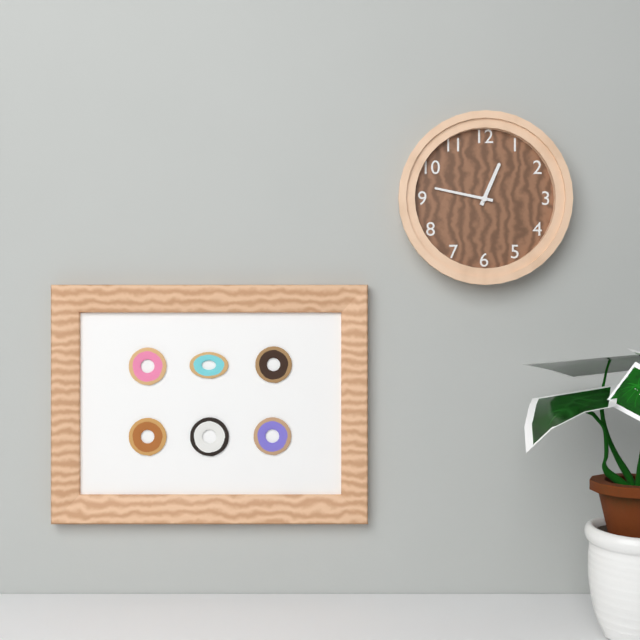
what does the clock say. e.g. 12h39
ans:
12h47
